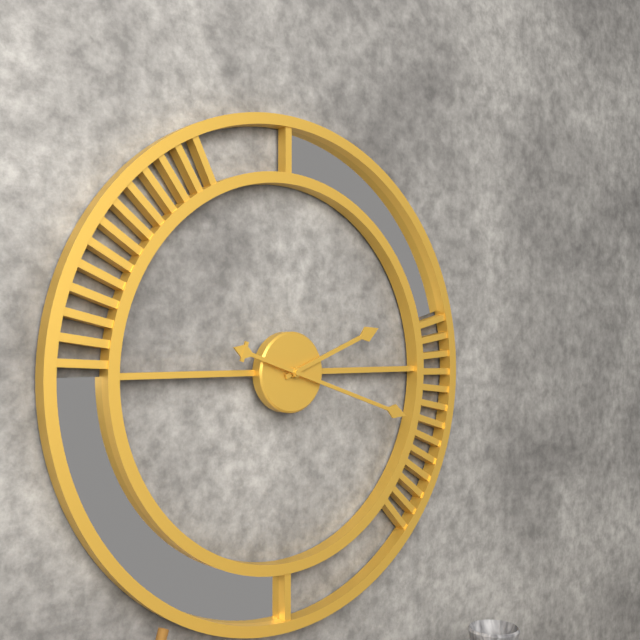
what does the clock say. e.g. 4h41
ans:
2h18
